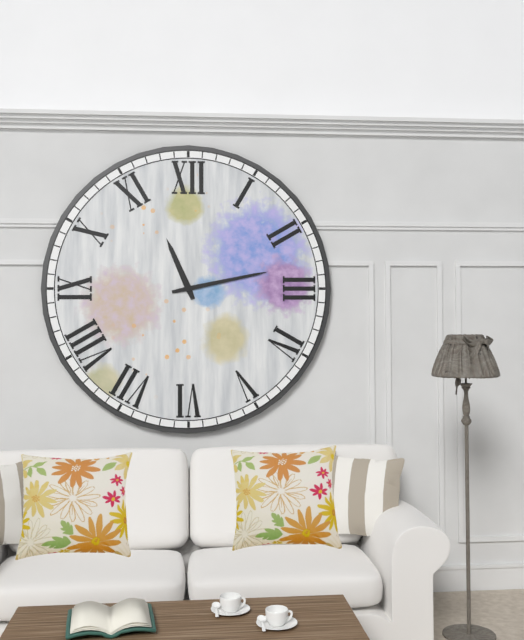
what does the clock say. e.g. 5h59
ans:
11h13
